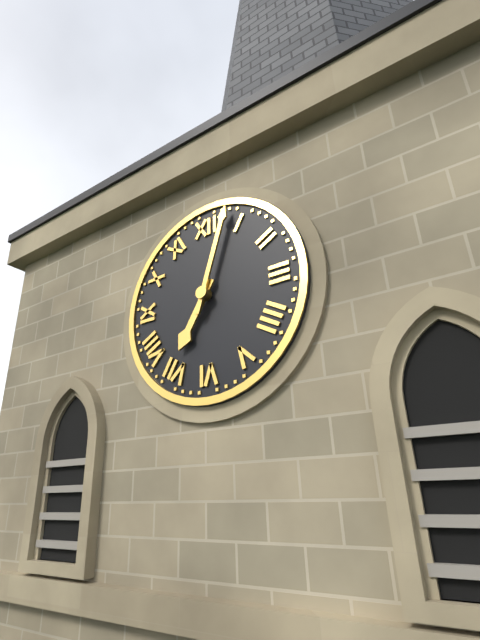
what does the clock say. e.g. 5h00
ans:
7h03
